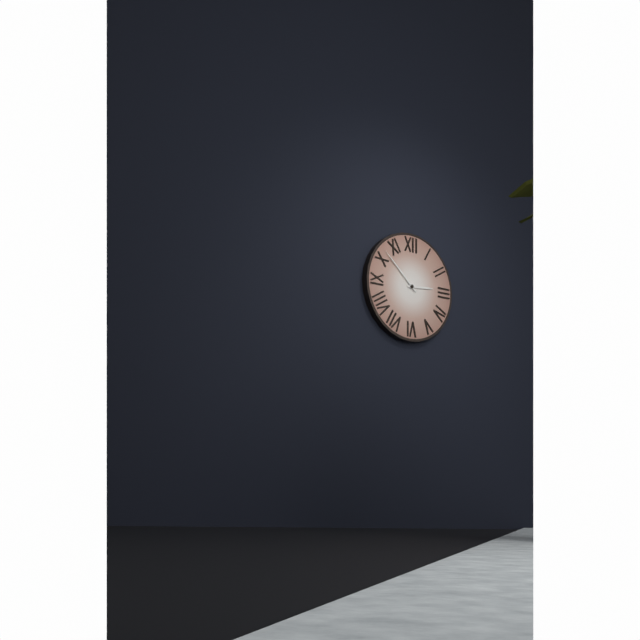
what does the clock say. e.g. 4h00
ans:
2h52
